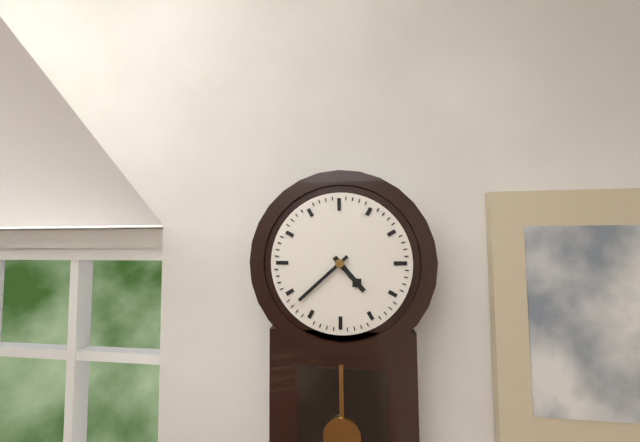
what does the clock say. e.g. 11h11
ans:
4h38
